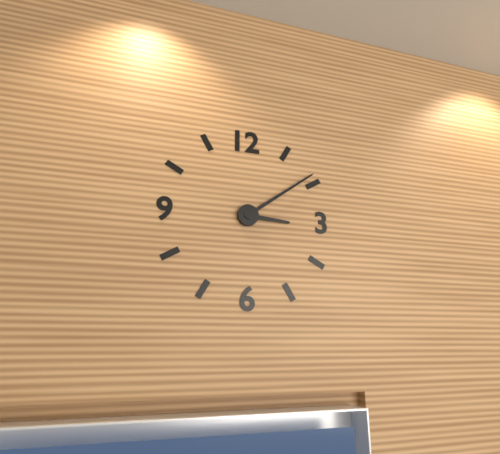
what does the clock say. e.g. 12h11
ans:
3h09
